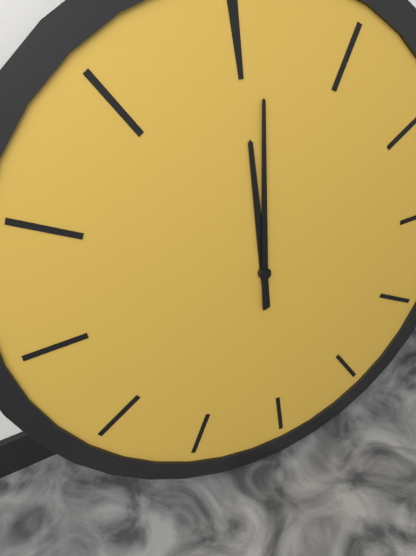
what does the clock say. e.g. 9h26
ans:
12h01
